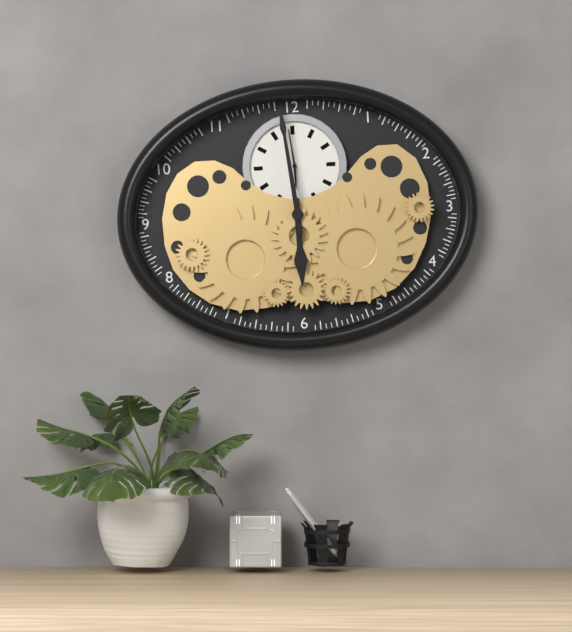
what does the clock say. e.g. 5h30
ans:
5h59
